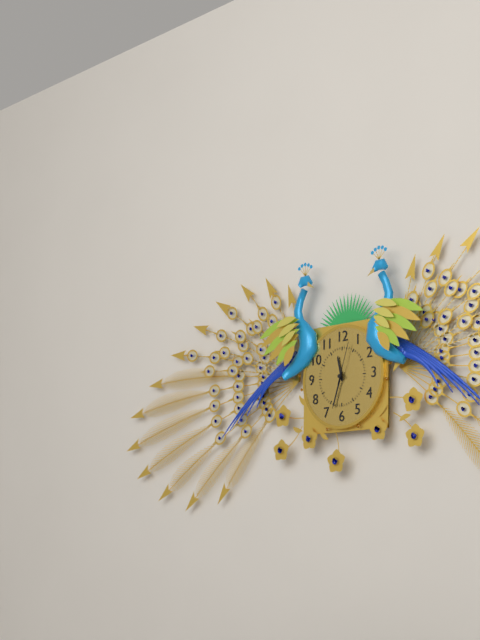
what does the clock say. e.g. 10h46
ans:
11h33
